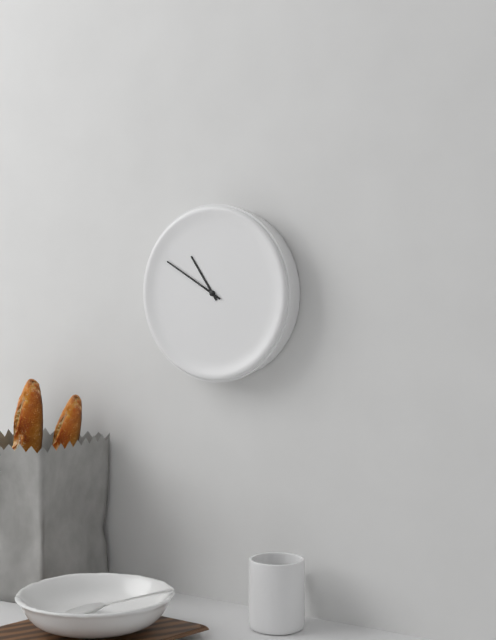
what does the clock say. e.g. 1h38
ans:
10h50
